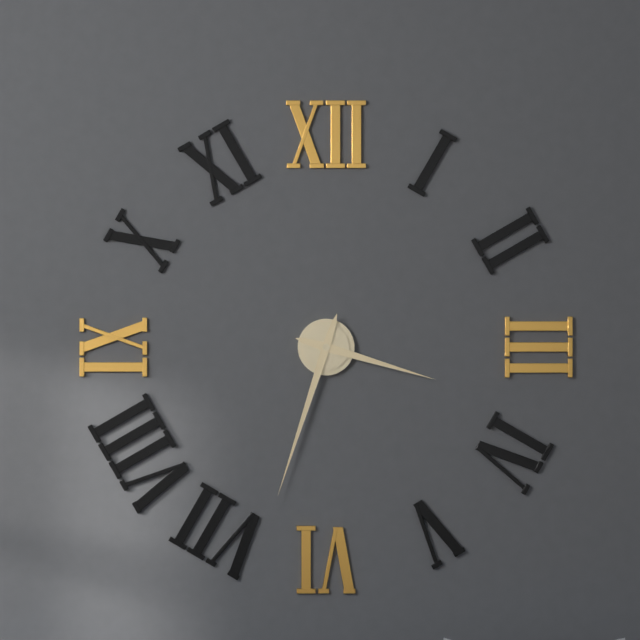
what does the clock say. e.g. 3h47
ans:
3h33
